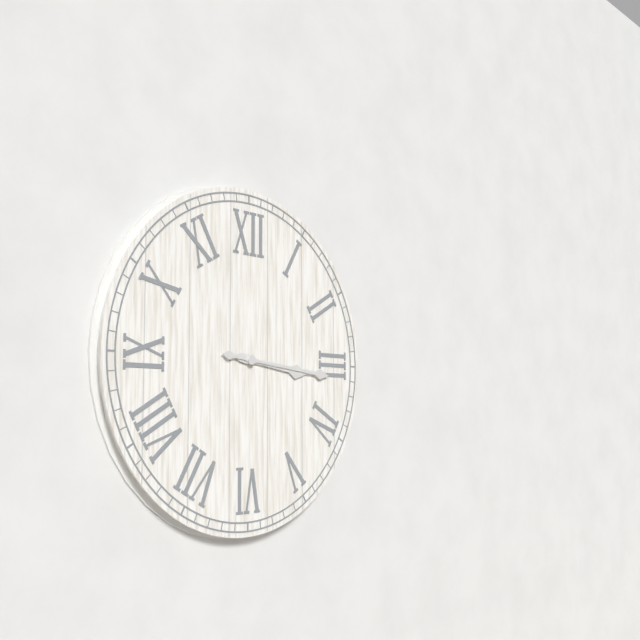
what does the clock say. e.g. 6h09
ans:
3h16
